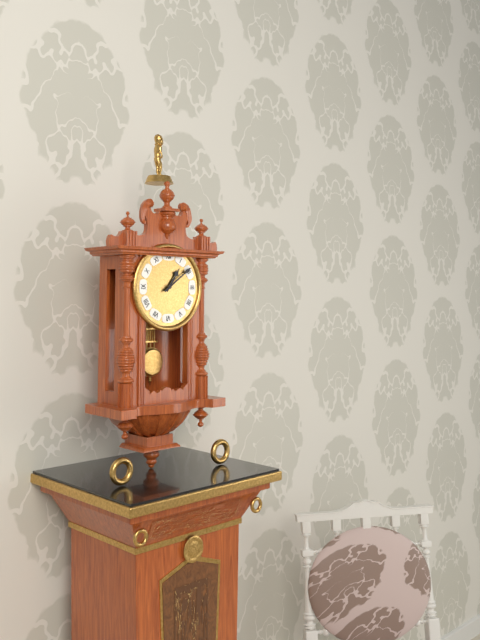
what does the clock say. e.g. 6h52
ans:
1h09
